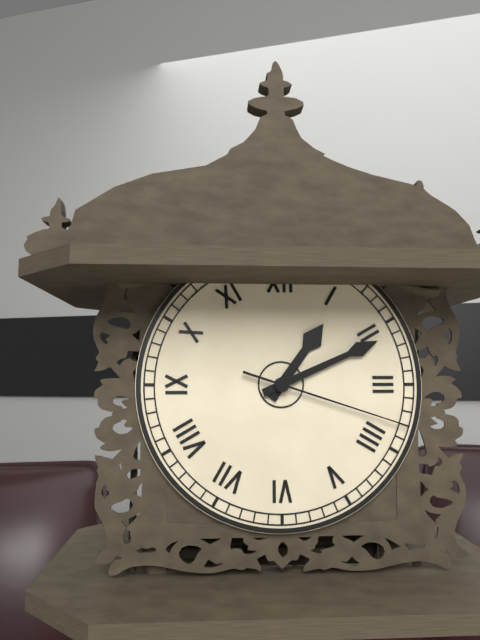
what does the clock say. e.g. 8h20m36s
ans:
1h11m18s
